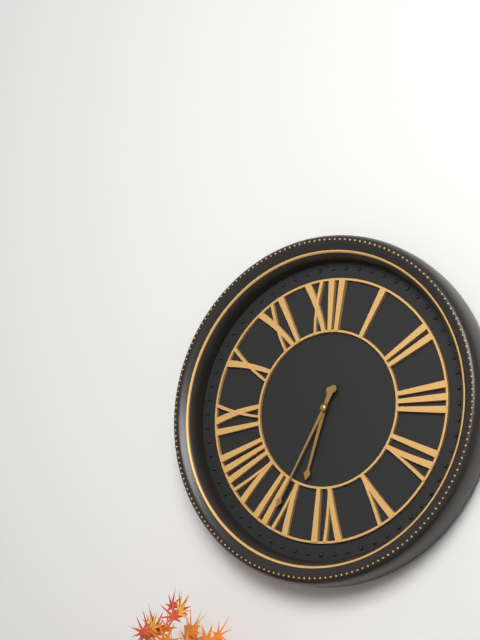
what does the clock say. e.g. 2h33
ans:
6h35
